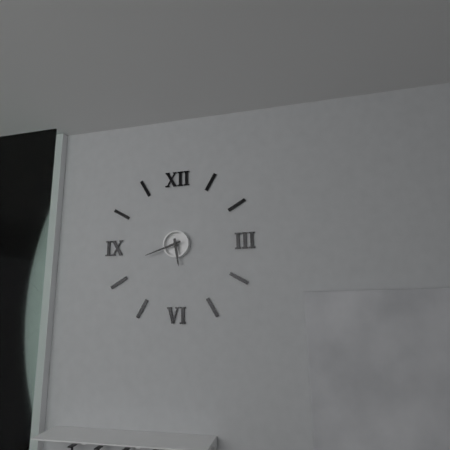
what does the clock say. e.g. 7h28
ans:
5h42
